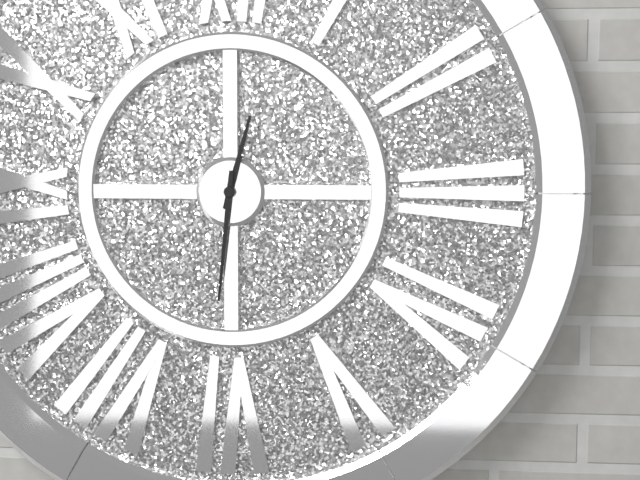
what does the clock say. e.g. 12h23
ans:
12h31
